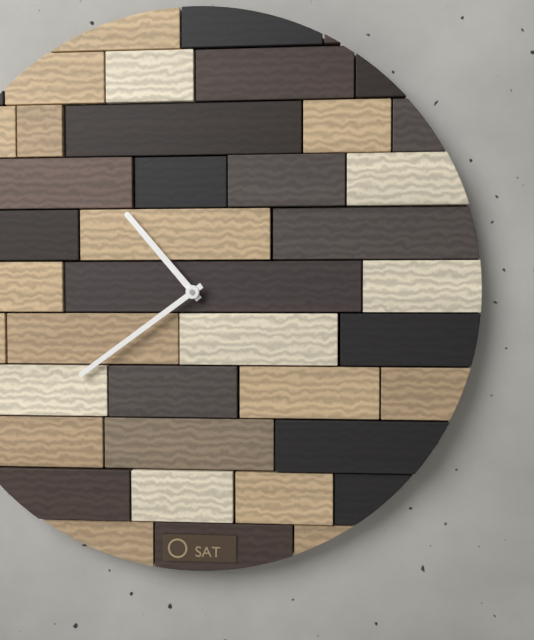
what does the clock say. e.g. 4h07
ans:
10h39
